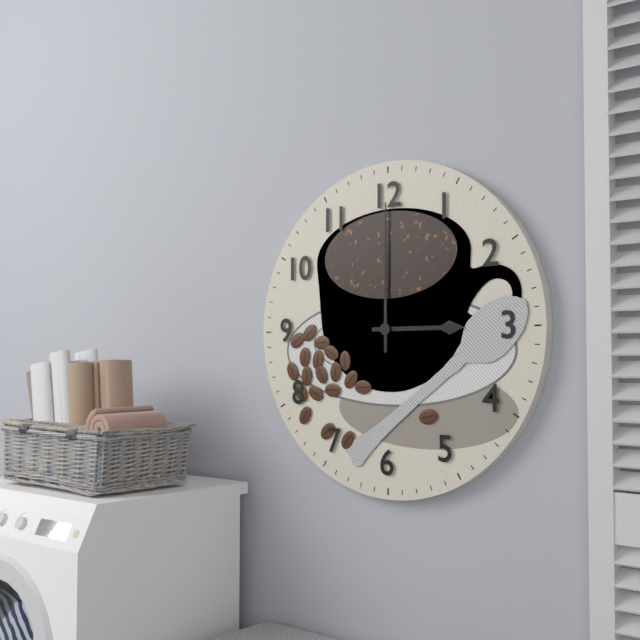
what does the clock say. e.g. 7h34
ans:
3h00
